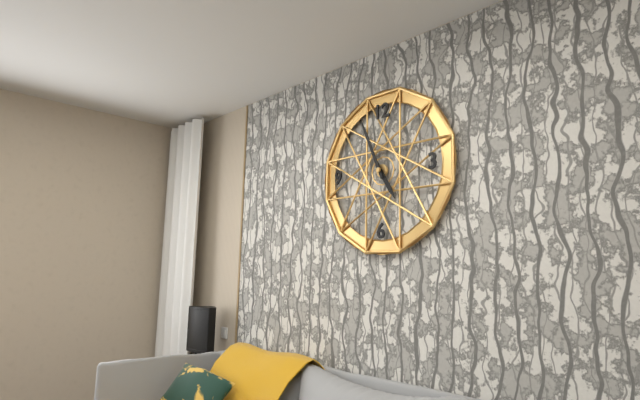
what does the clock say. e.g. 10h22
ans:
4h56
